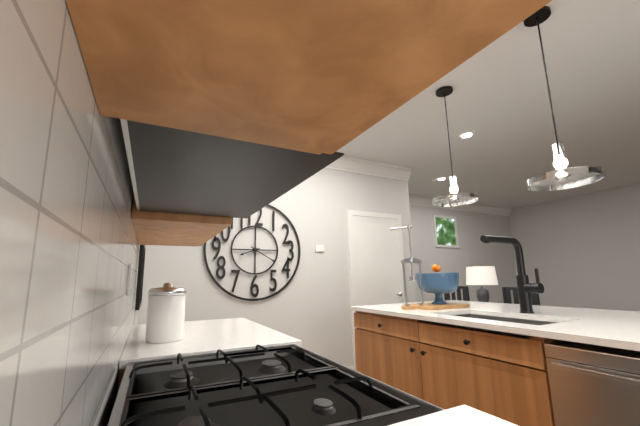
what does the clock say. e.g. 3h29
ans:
8h20
